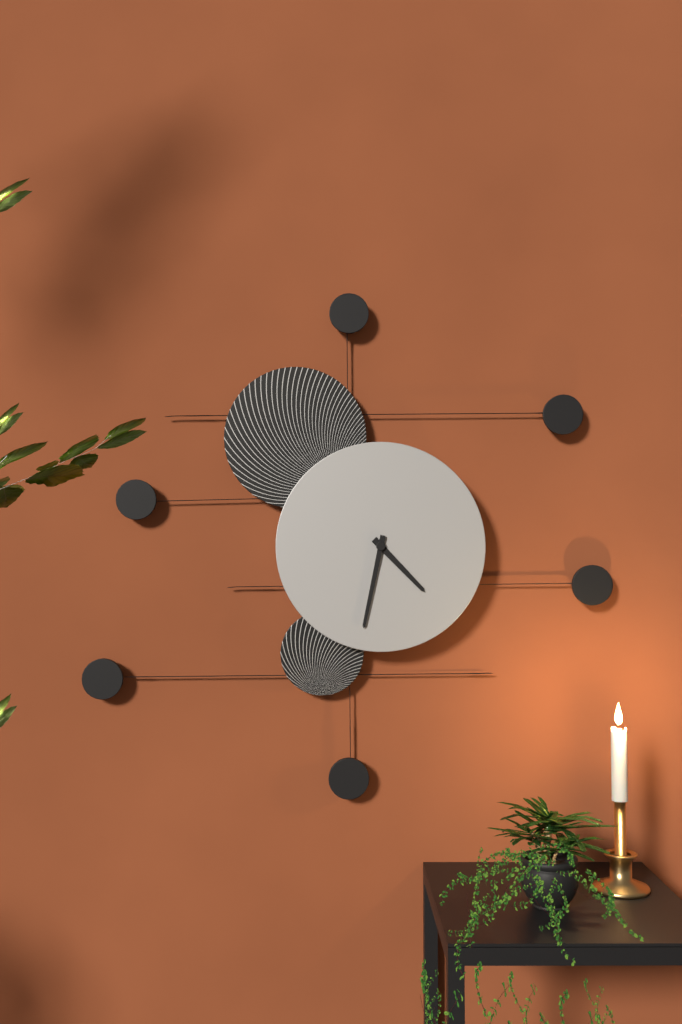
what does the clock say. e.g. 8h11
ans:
4h32
